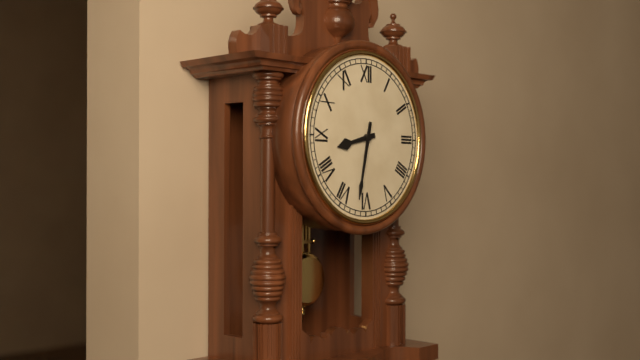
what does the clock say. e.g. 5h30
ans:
8h32
